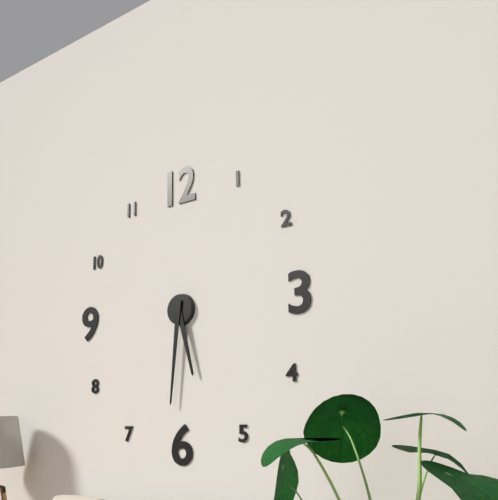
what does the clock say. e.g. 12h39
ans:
5h31
